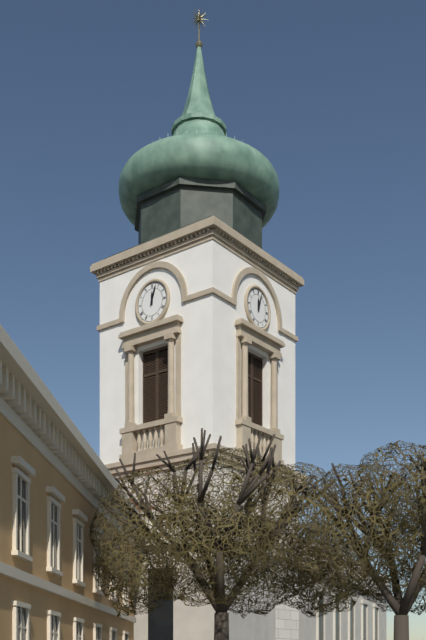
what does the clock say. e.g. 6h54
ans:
12h03
